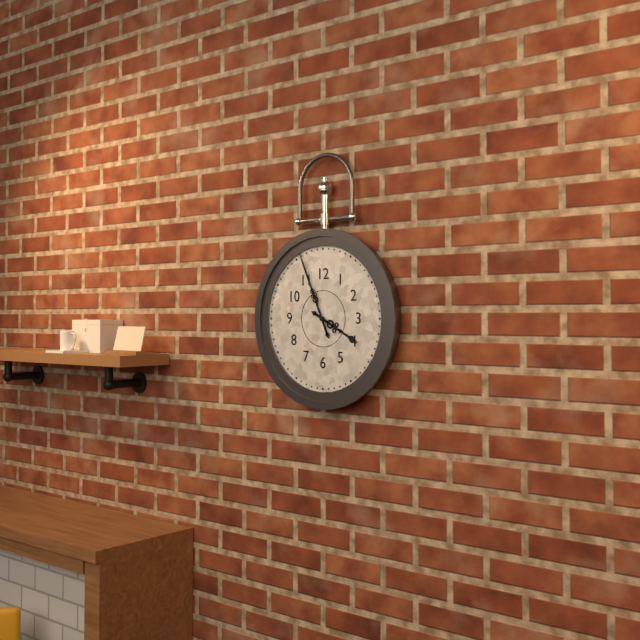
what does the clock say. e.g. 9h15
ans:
3h56
